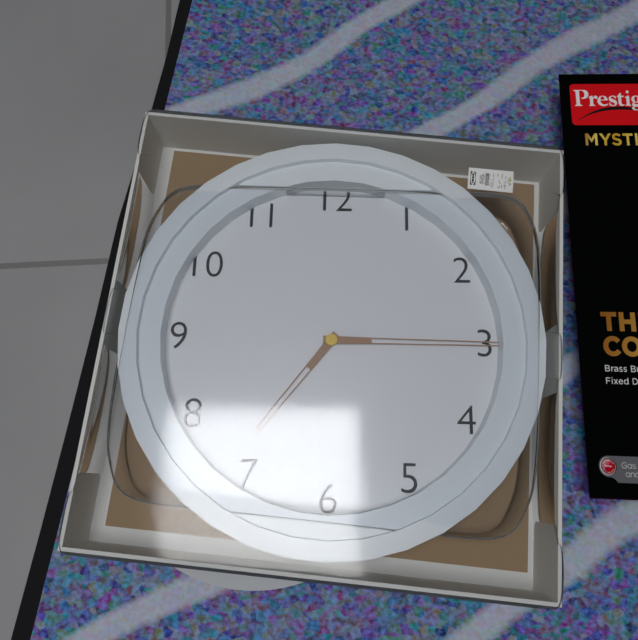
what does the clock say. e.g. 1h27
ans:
7h15
